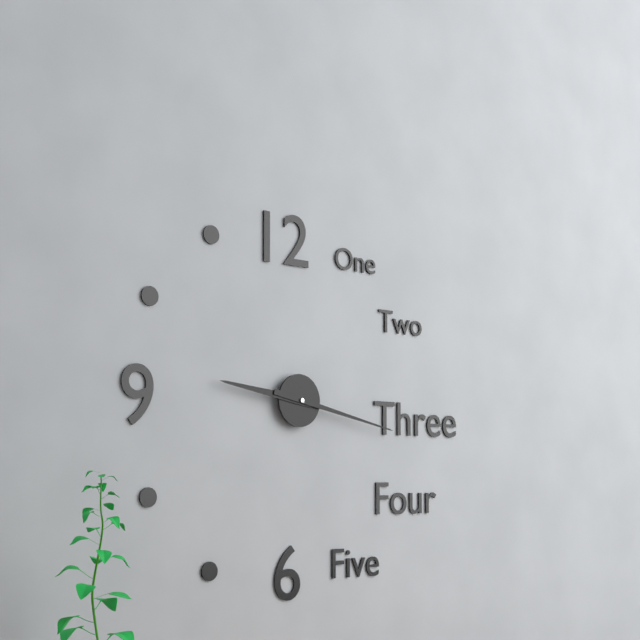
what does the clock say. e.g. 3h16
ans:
9h17
